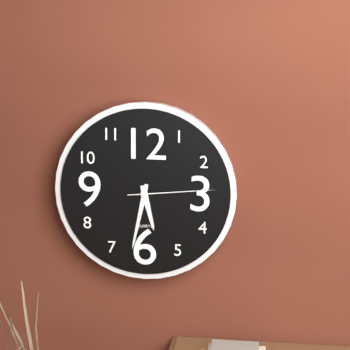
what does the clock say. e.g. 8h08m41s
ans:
5h32m14s
